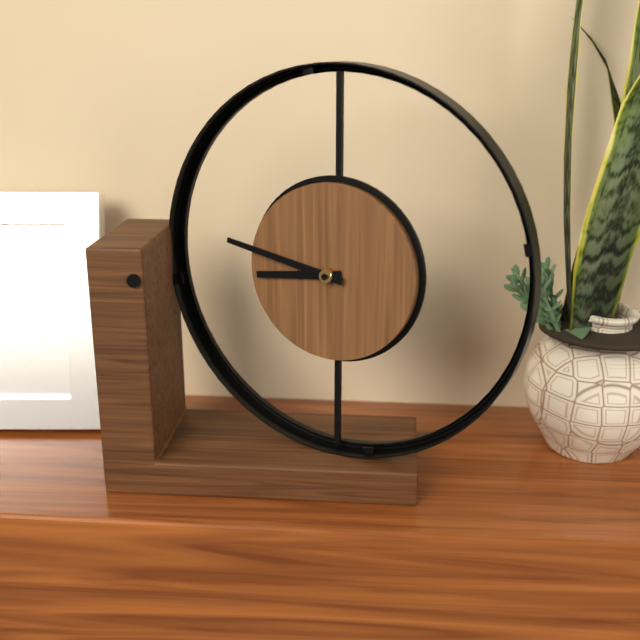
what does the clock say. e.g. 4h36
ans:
8h47
